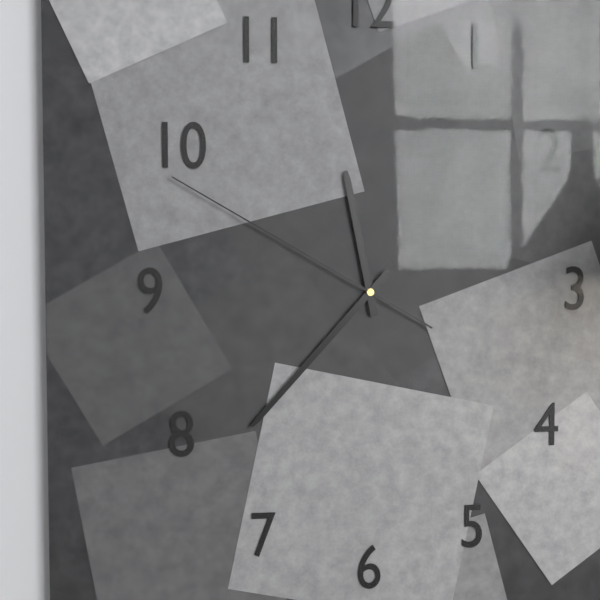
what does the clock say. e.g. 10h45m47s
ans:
11h37m50s
